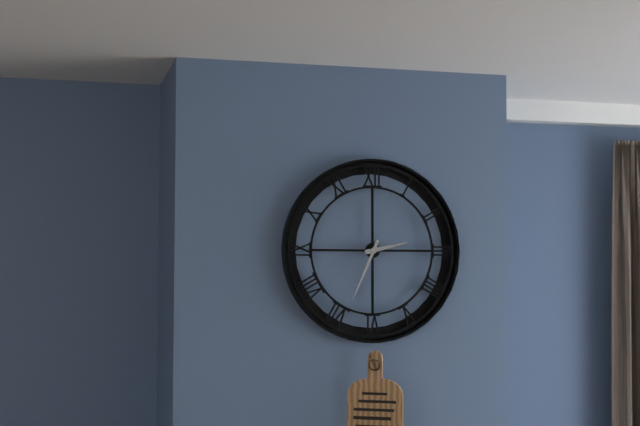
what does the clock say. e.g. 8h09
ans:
2h34
